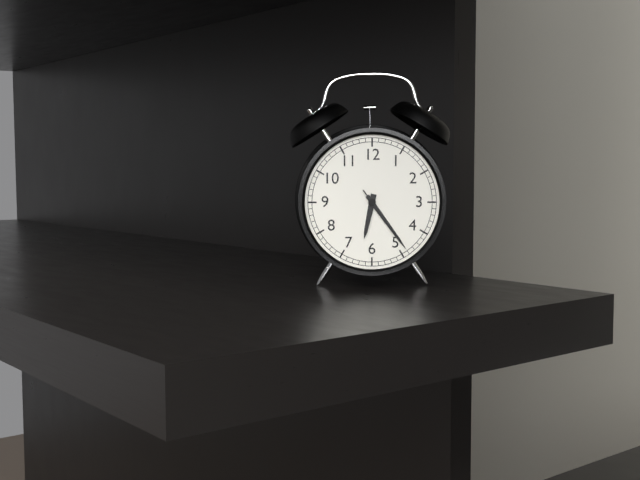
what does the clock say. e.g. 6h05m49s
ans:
6h24m24s
